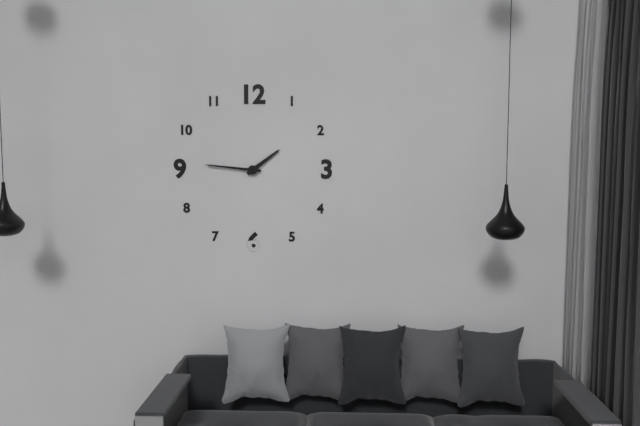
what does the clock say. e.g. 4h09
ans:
1h46
